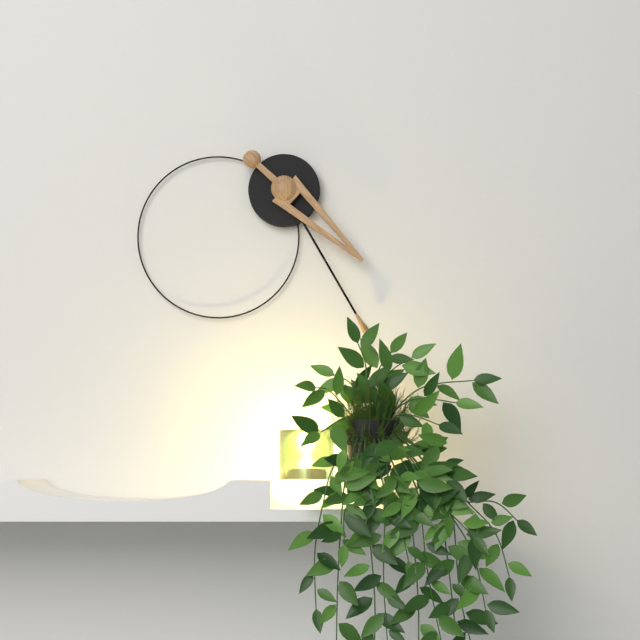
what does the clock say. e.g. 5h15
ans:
4h25
